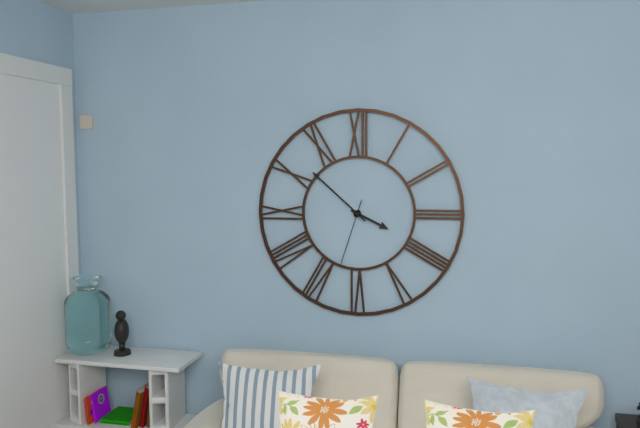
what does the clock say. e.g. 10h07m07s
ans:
3h52m33s
